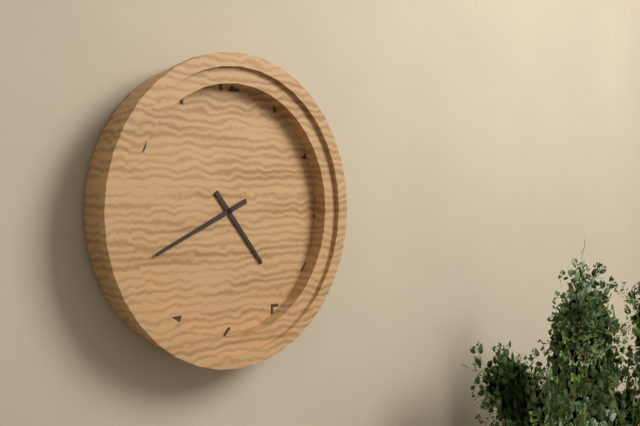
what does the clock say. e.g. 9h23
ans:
4h41
